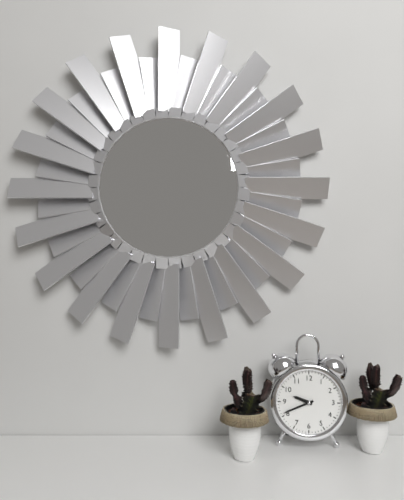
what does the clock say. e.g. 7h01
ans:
9h41
